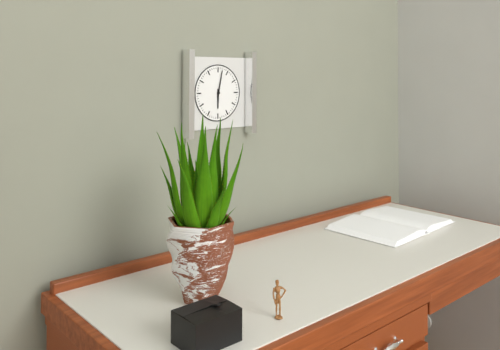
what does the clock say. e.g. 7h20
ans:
6h02
